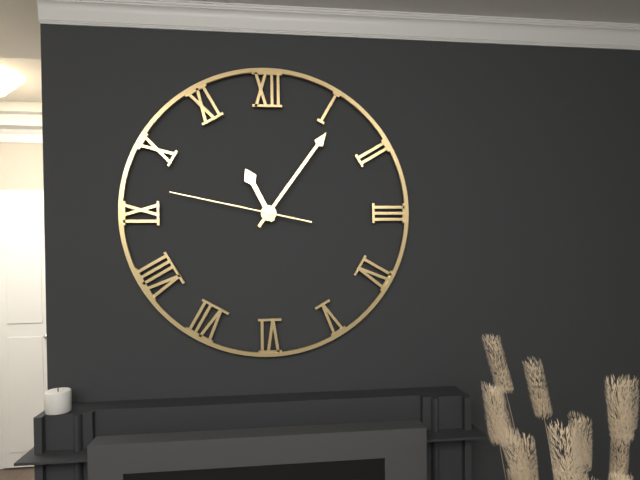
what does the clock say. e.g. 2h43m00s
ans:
11h06m47s
